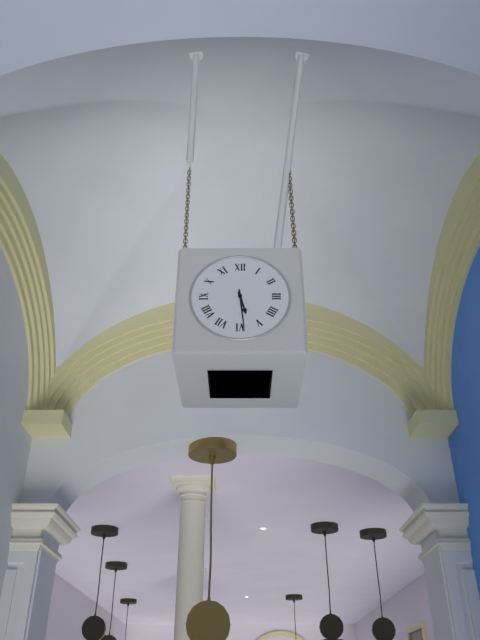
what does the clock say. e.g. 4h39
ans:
5h29
